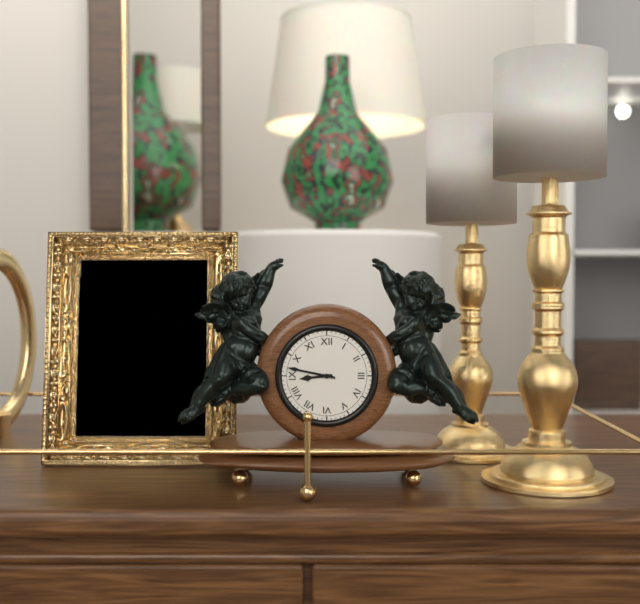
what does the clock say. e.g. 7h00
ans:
8h47
